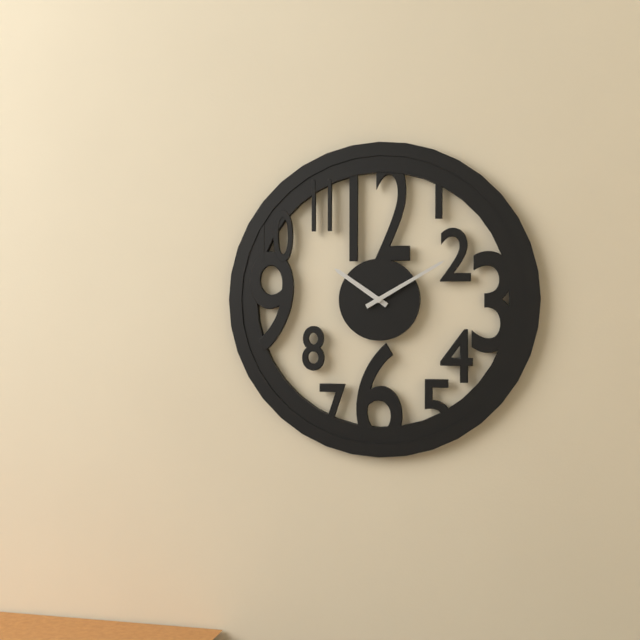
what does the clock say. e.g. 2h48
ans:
10h10
